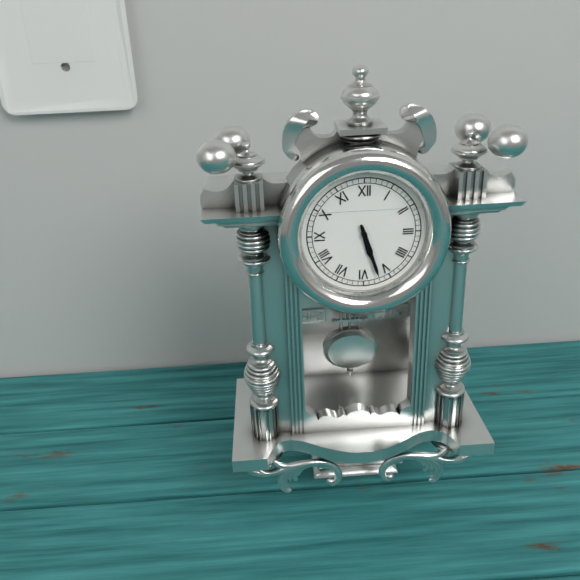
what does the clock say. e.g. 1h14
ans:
5h27
